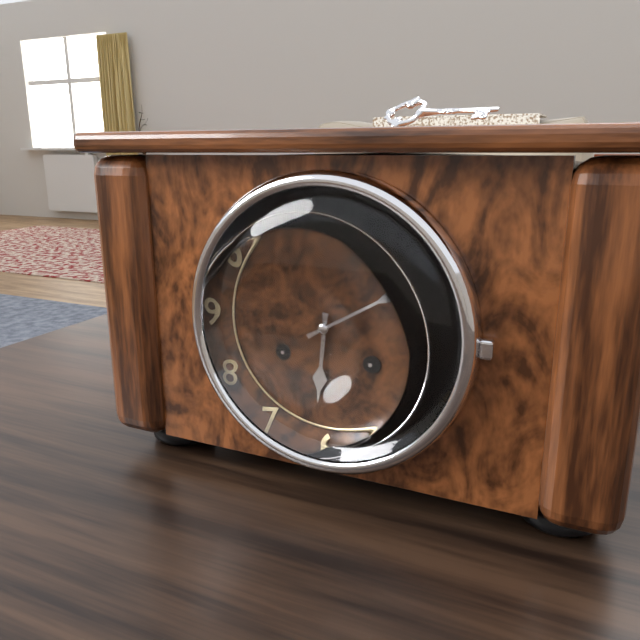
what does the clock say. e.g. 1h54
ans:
6h10
